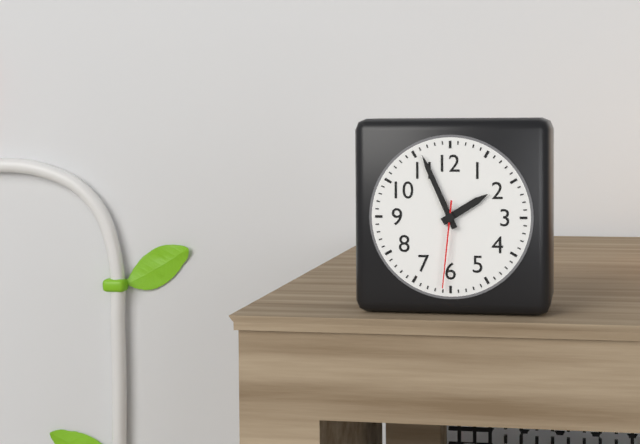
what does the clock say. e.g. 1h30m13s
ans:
1h56m31s
